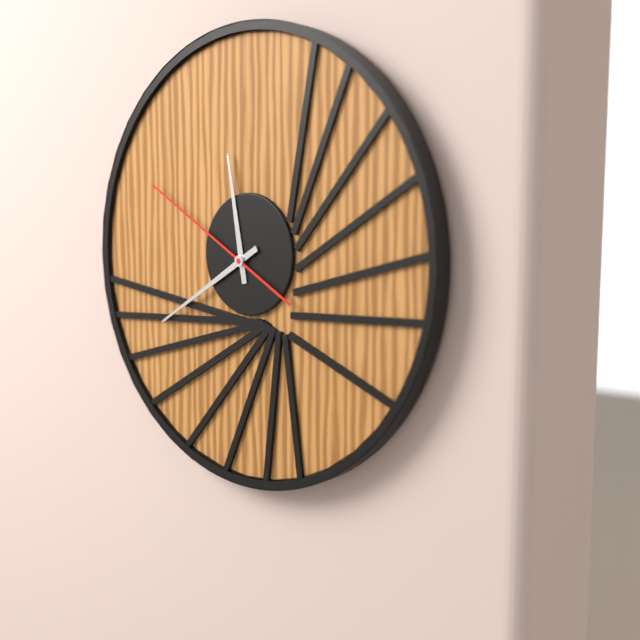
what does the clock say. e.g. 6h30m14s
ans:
11h40m50s
